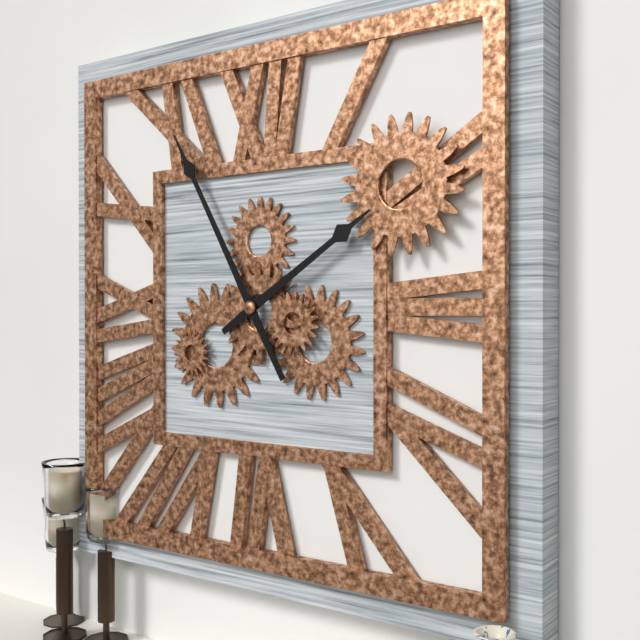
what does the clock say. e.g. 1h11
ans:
1h55
